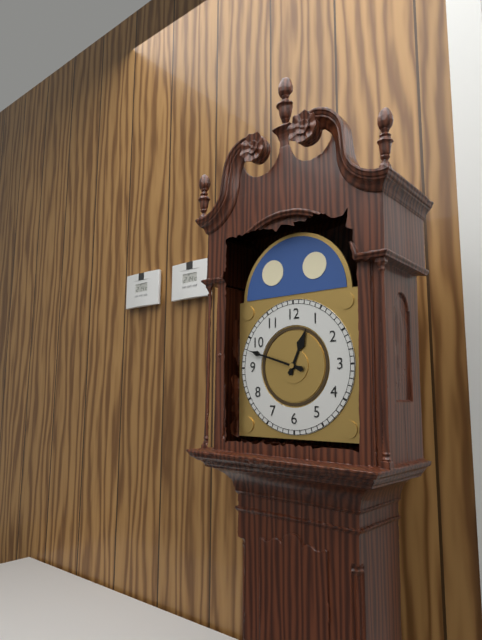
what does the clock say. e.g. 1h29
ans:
12h48
